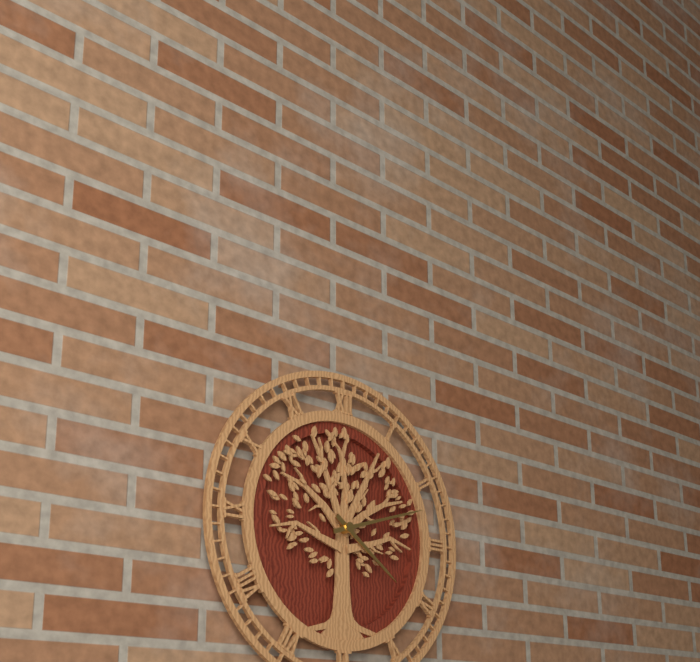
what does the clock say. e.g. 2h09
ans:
4h12
